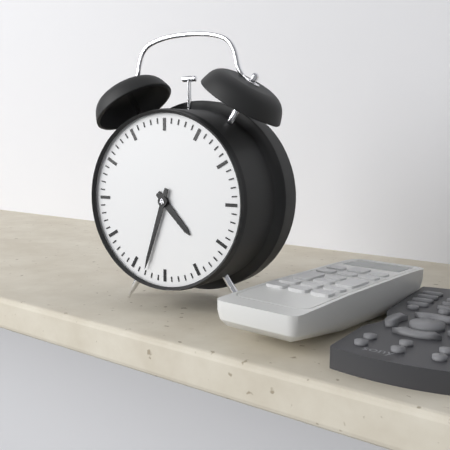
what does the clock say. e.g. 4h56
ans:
4h33
